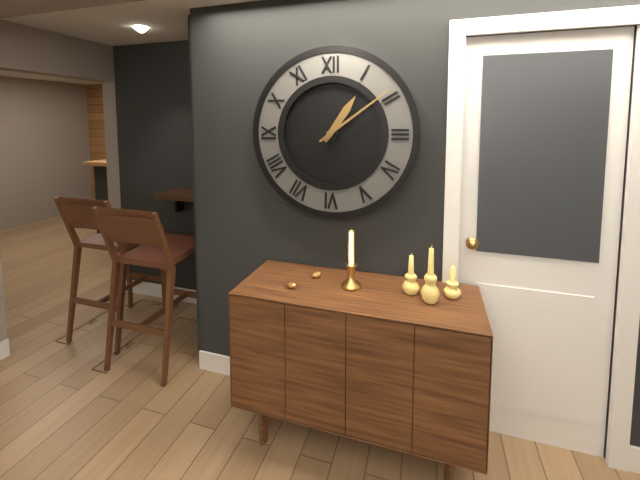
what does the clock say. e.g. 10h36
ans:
1h09
